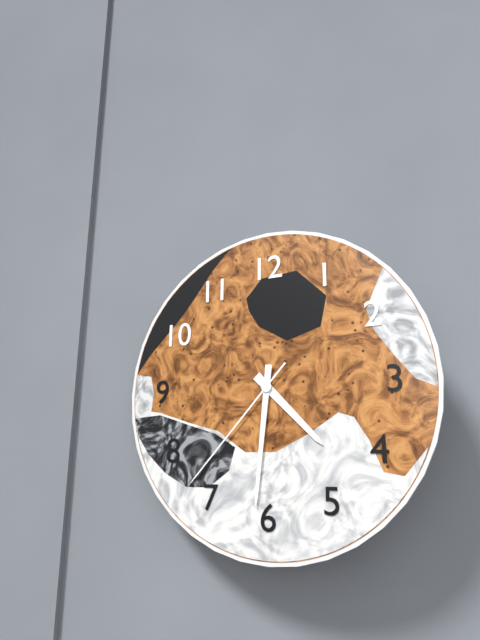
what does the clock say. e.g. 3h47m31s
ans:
4h31m37s
